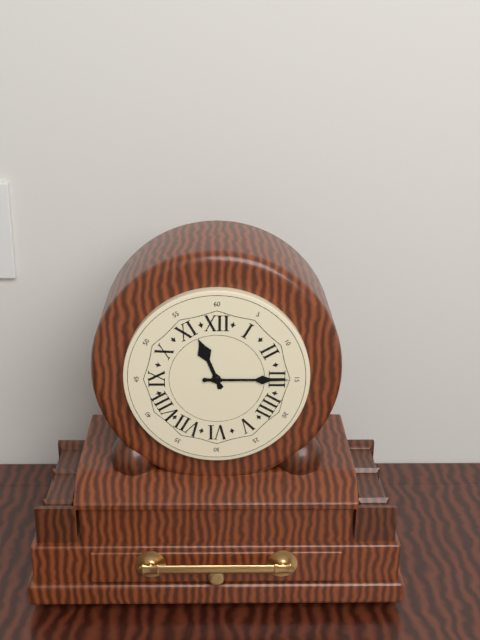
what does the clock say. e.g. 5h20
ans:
11h15
